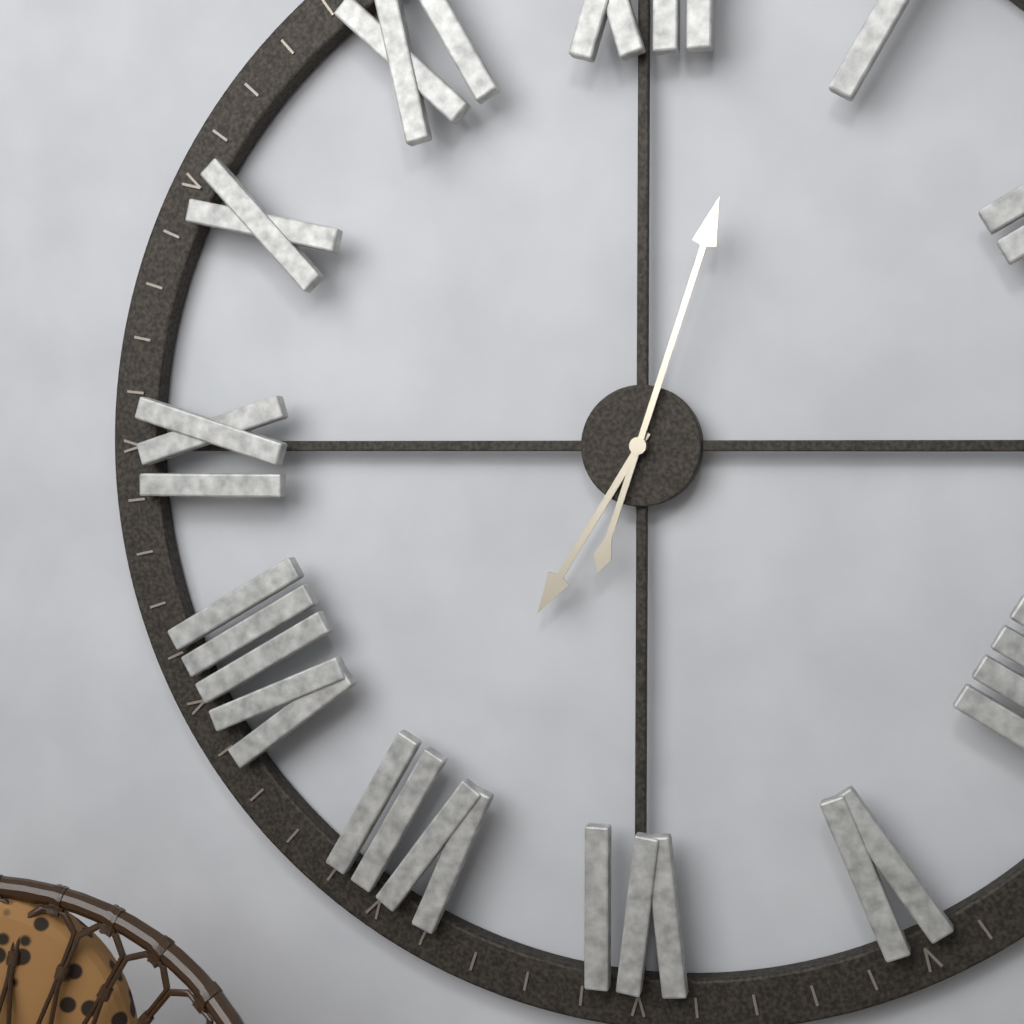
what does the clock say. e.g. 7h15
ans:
7h03
